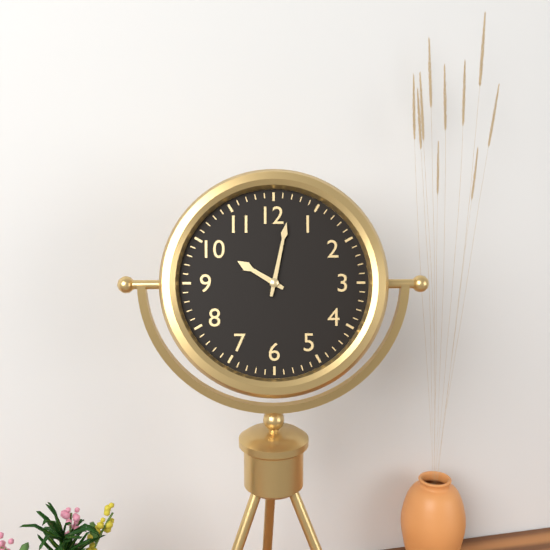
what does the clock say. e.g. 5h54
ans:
10h02
